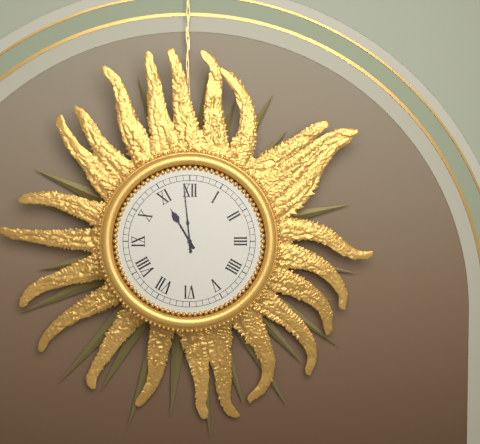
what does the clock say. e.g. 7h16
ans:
10h59
